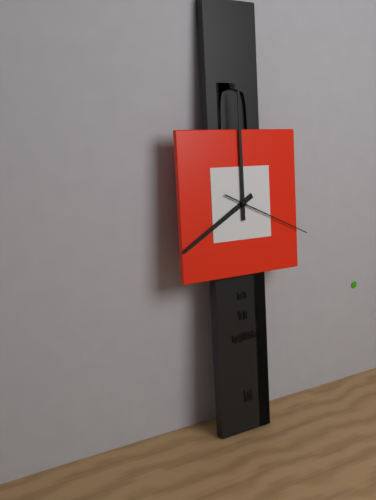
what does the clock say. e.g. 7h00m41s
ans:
8h00m19s
